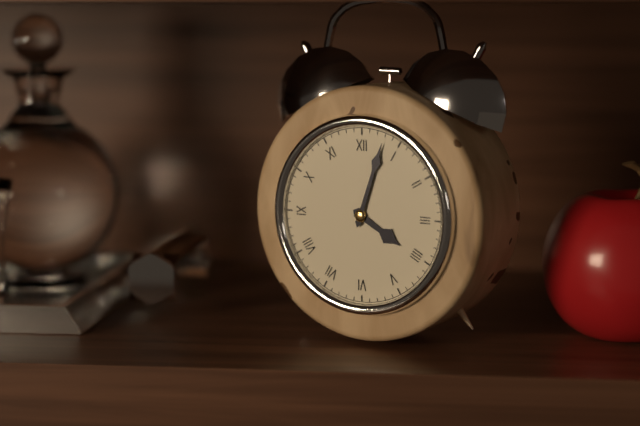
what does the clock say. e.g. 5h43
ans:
4h03
